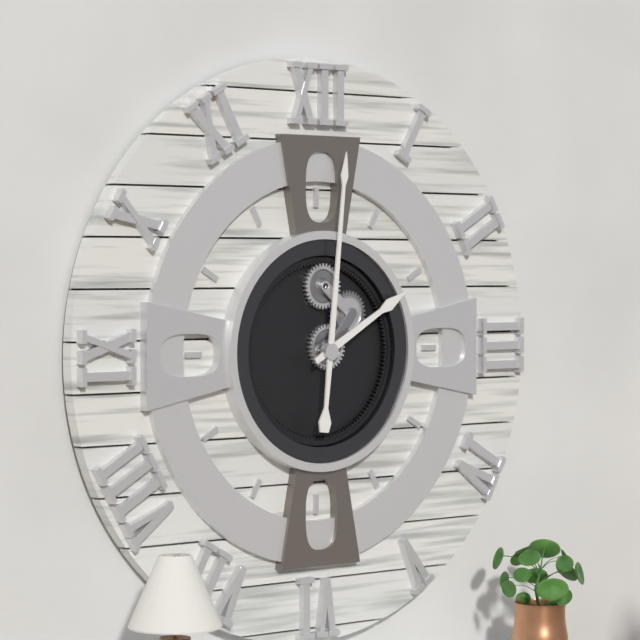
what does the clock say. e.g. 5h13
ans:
2h01
